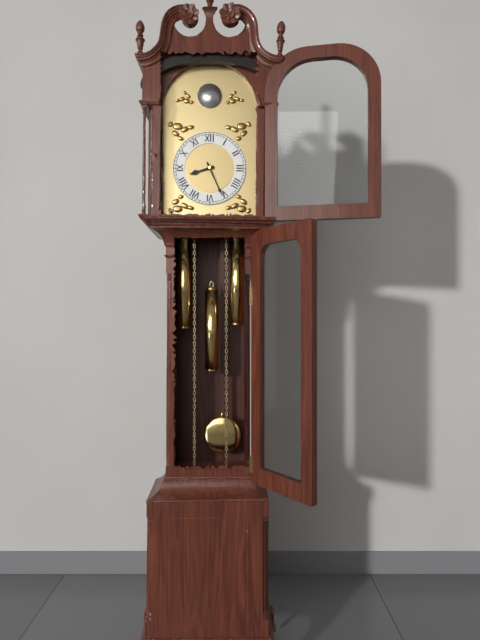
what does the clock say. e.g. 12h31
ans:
8h26
